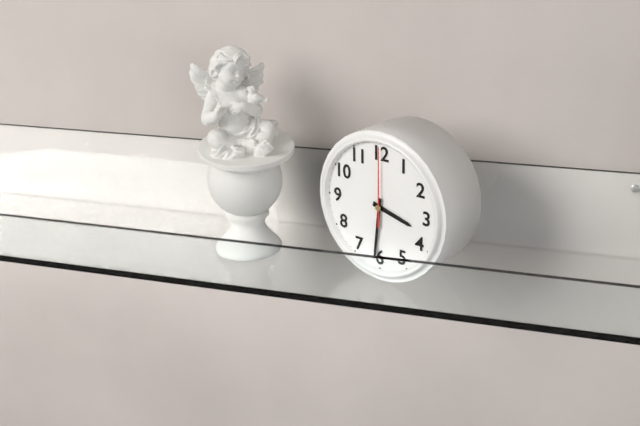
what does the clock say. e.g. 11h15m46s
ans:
3h31m00s
